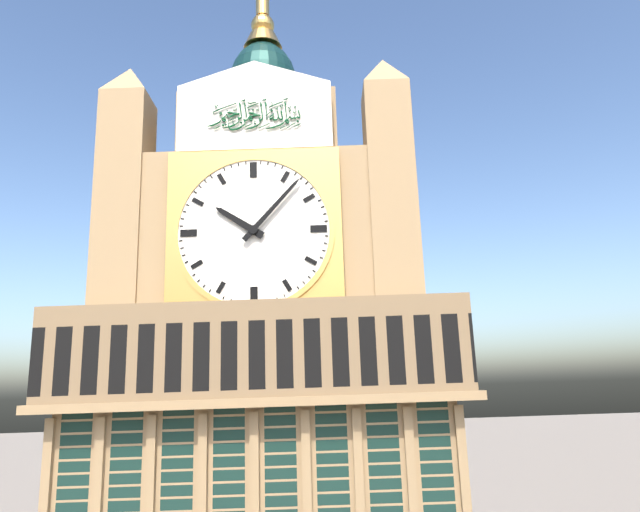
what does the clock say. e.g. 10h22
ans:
10h07
